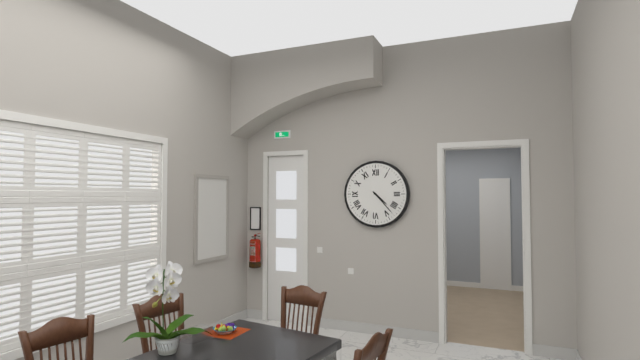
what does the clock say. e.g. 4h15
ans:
4h23
